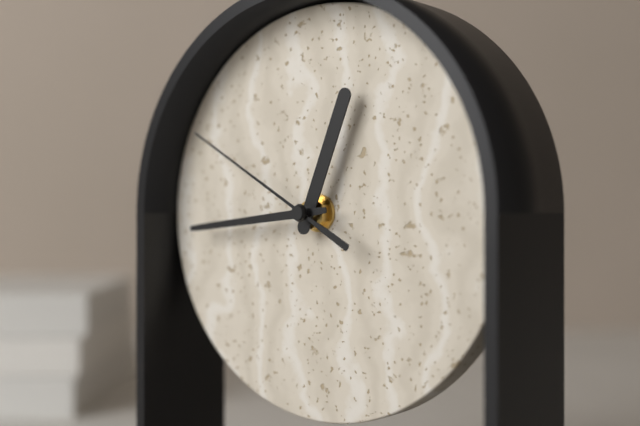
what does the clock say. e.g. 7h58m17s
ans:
12h44m50s
